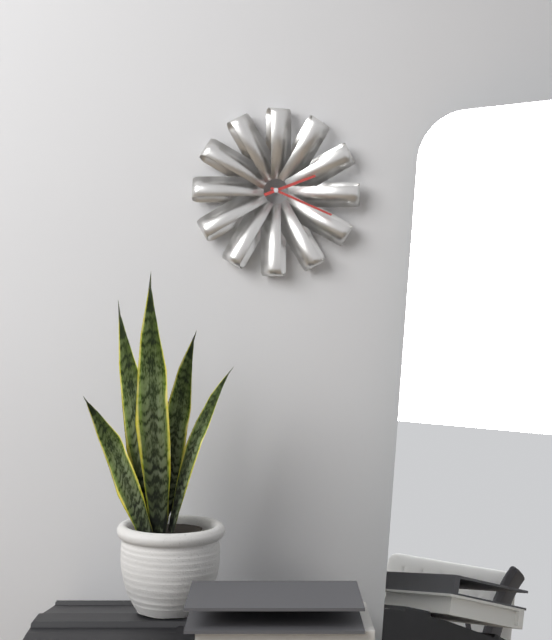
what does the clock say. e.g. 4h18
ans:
2h19
